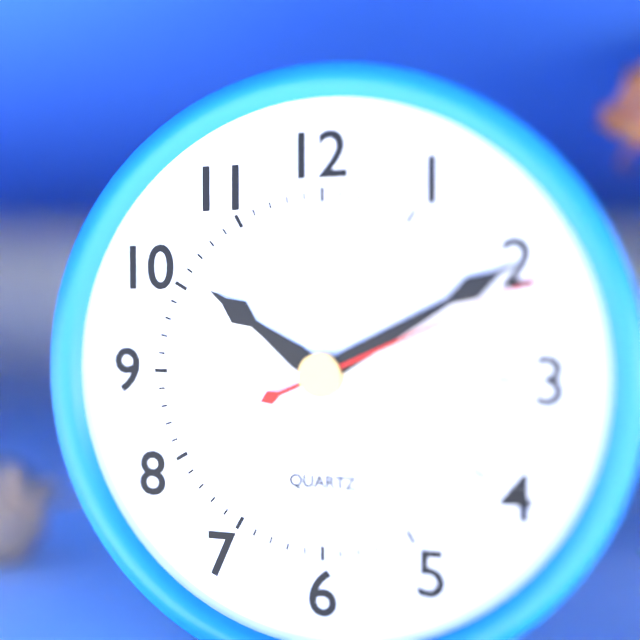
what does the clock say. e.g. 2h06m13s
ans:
10h10m11s
